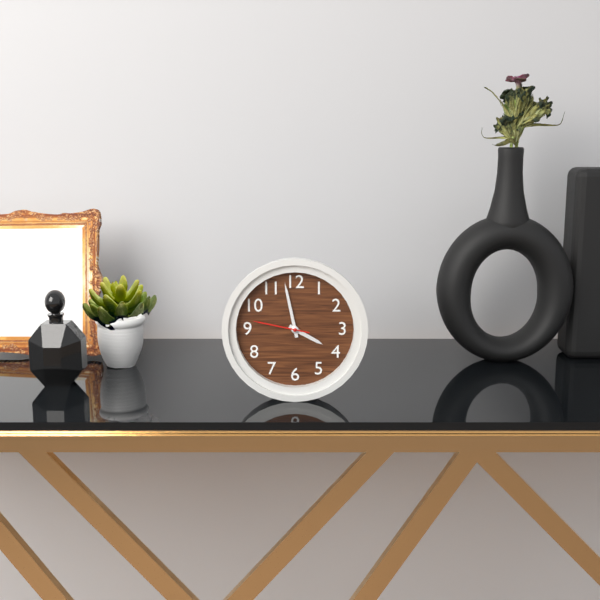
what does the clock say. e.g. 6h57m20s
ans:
3h58m47s
